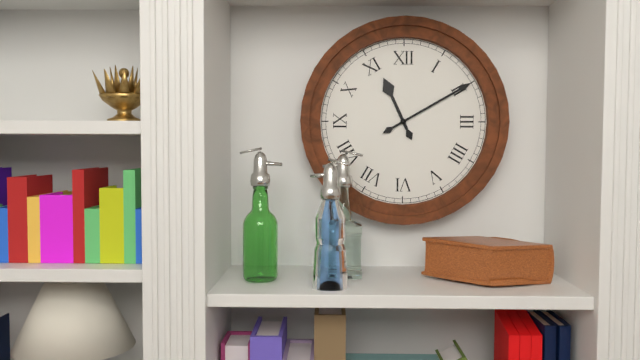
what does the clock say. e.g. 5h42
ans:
11h10
